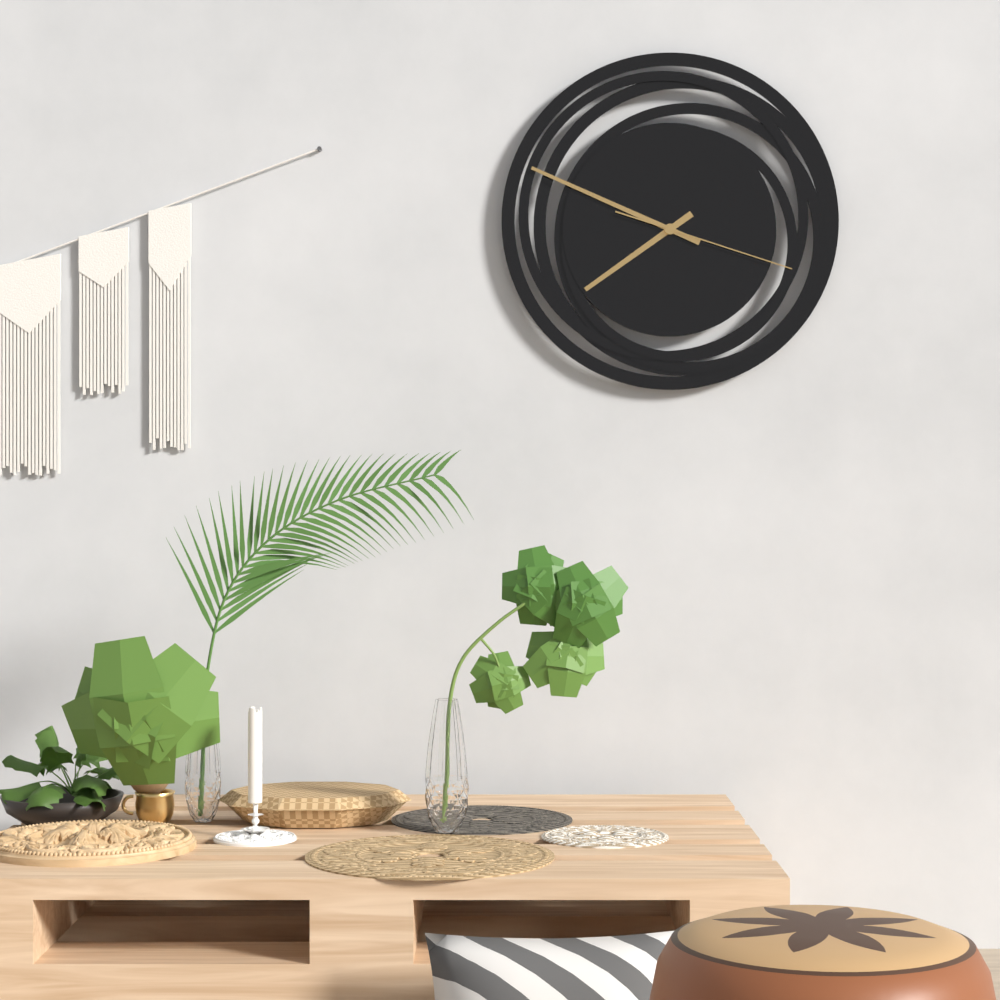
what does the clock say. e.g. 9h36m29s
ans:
7h49m18s
